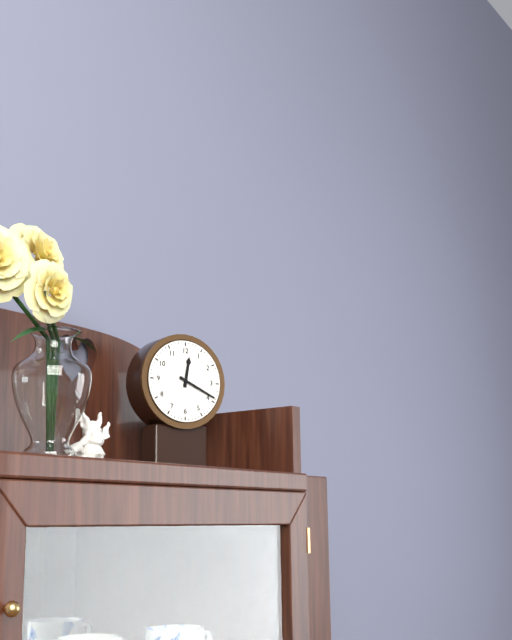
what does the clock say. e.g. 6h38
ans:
12h19
